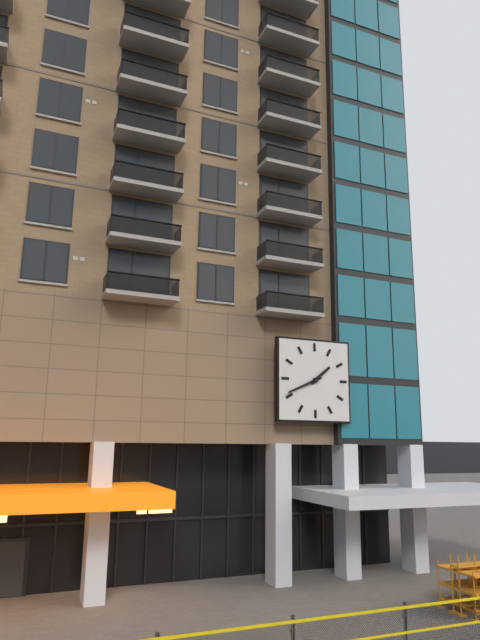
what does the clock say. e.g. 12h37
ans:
1h41
